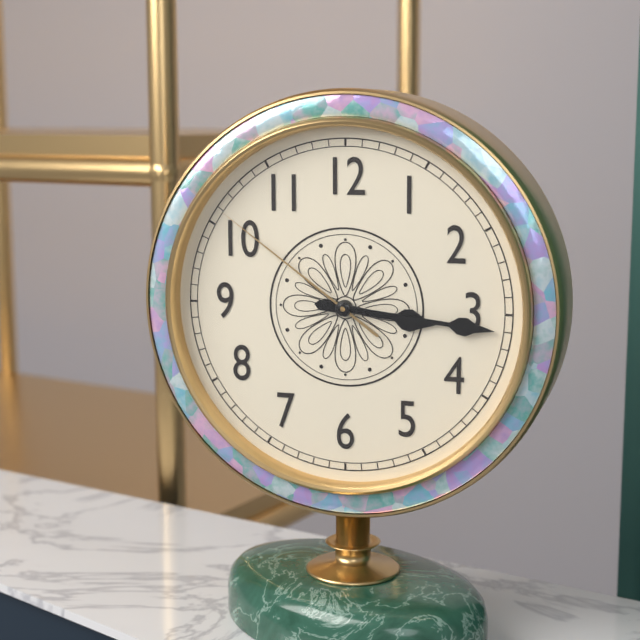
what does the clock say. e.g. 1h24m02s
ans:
3h16m51s
